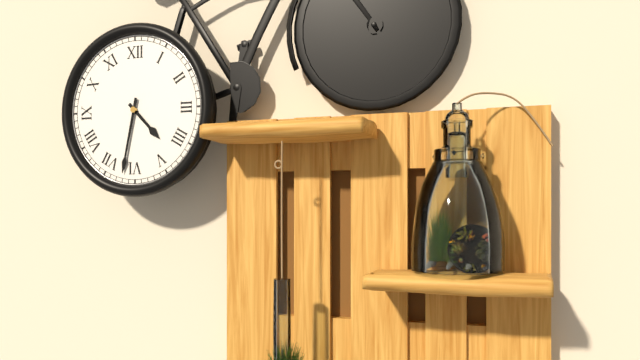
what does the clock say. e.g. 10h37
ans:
4h32
